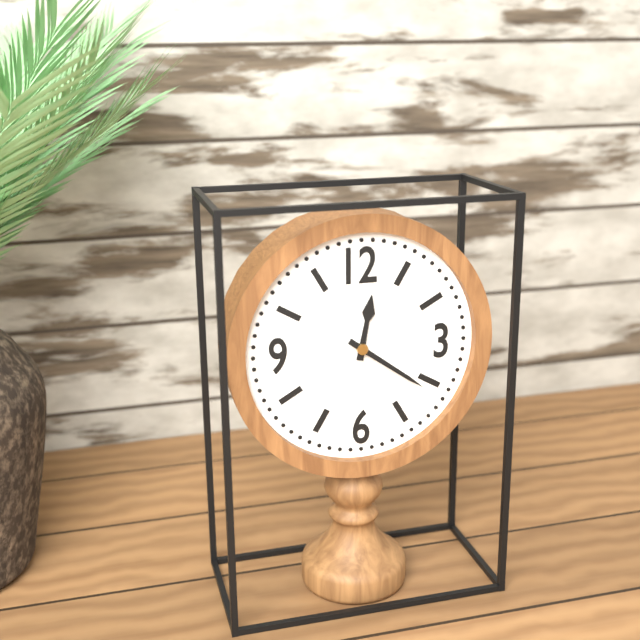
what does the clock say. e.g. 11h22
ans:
12h21
